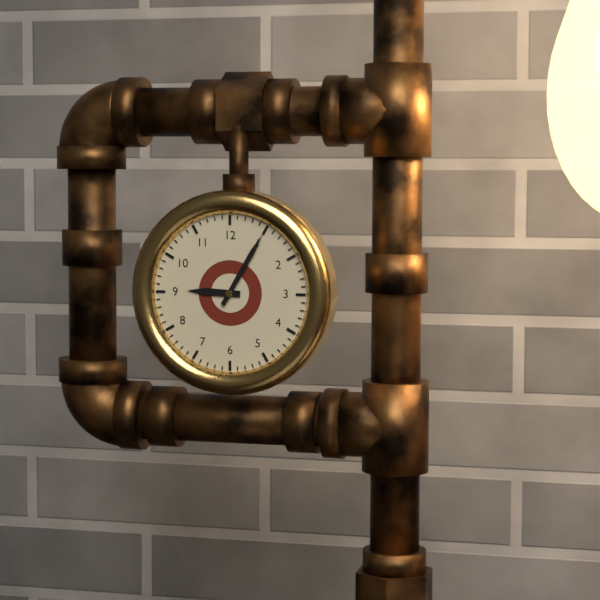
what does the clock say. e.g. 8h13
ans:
9h05
